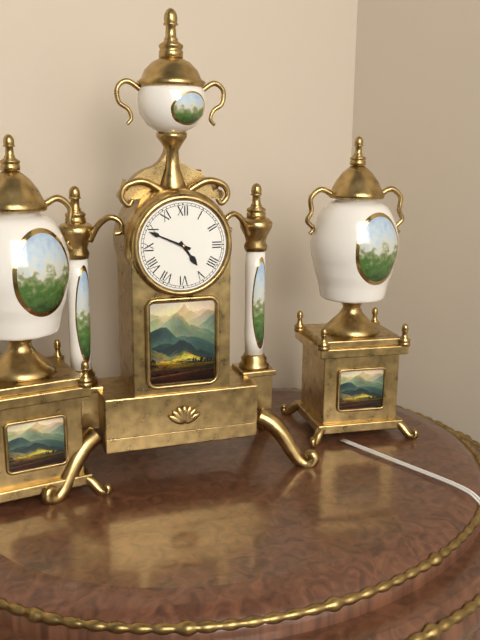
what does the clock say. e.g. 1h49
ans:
4h49
